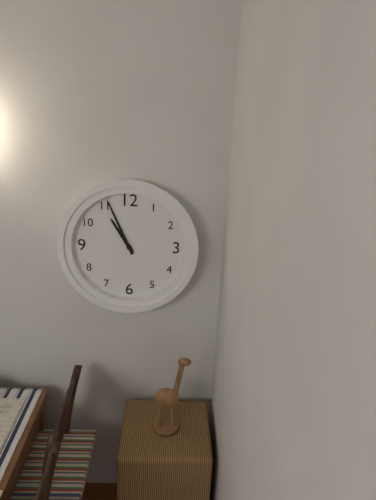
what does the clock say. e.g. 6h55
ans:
10h56
